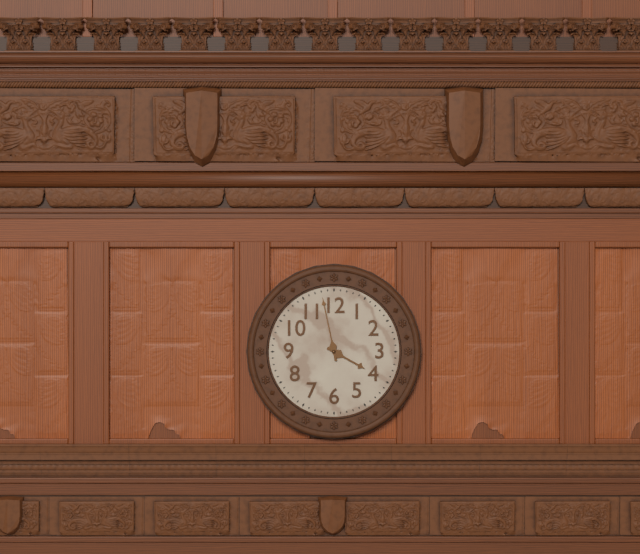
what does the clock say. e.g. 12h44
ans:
3h58
